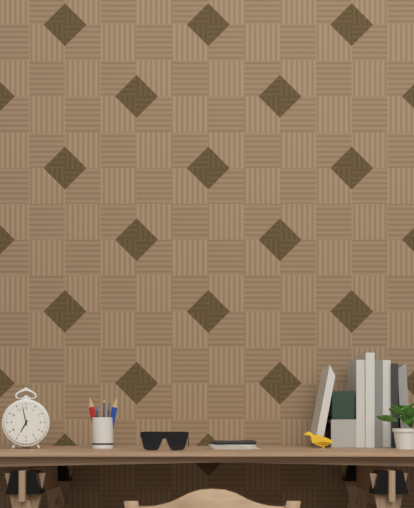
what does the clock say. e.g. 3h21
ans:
6h58
